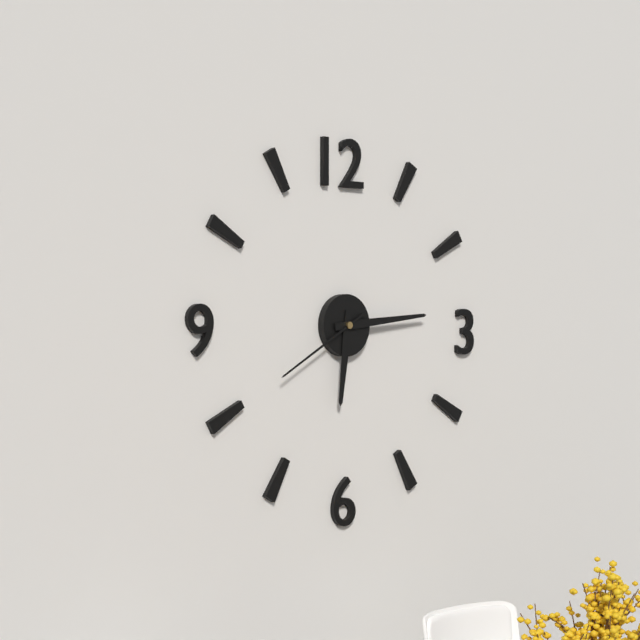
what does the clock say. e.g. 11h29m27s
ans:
6h14m40s
